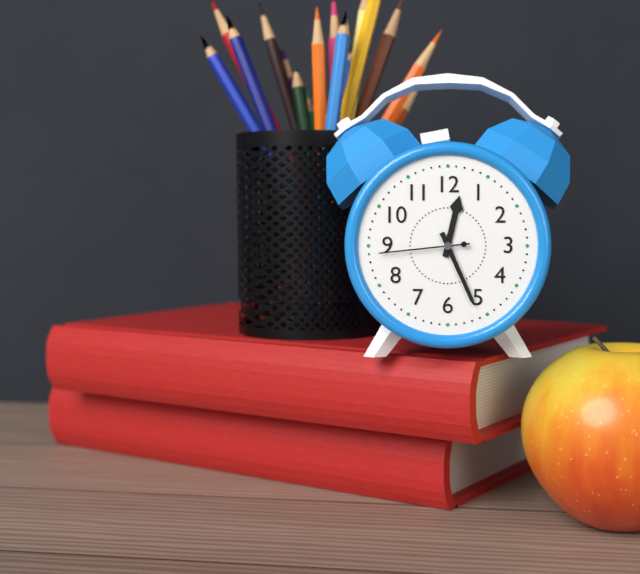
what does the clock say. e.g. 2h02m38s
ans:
12h26m44s
